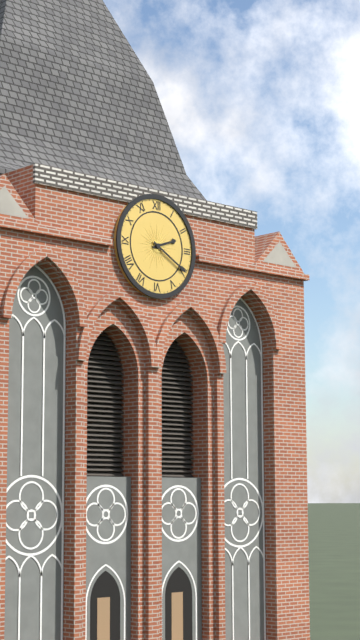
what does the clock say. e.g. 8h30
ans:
2h20
